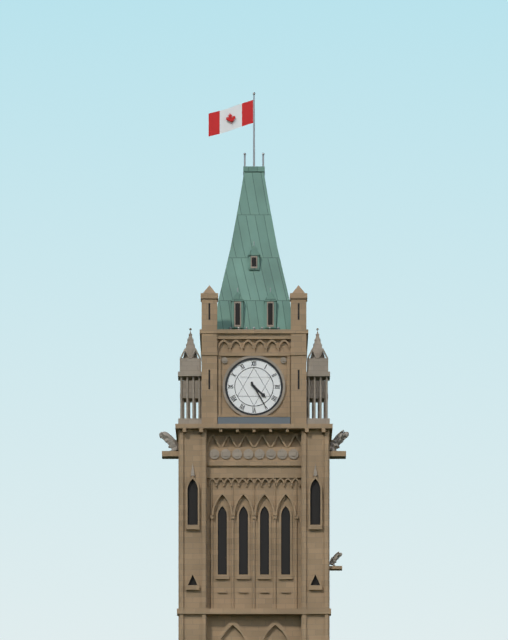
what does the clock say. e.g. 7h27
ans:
4h25
